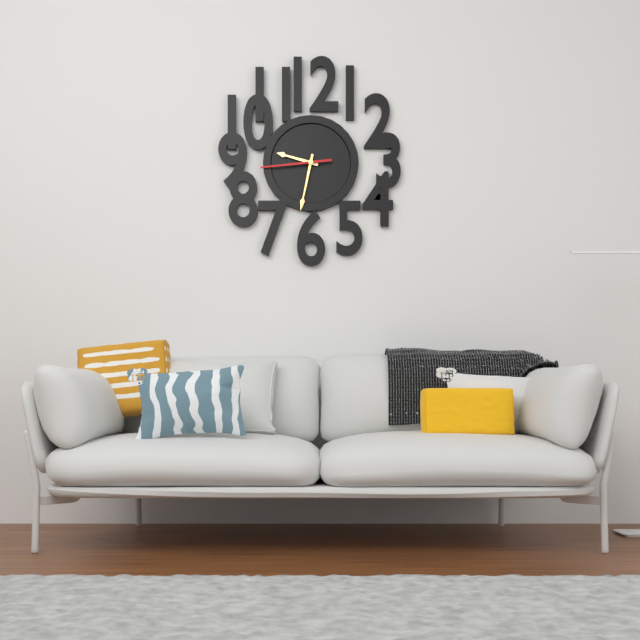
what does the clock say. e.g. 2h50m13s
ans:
9h32m44s
